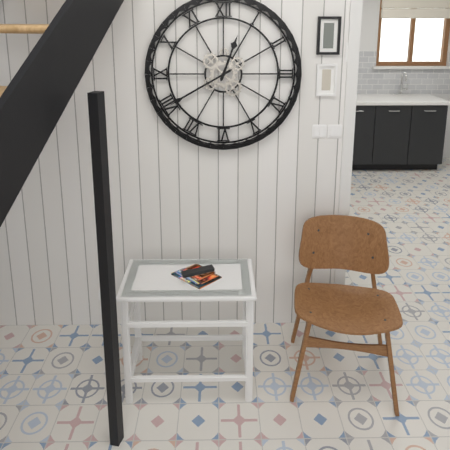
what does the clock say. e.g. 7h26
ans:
12h40
